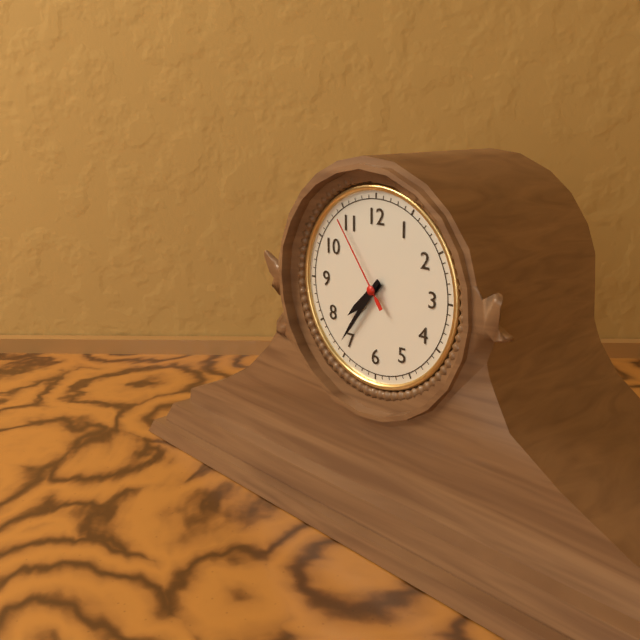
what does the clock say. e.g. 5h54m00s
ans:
7h36m54s
